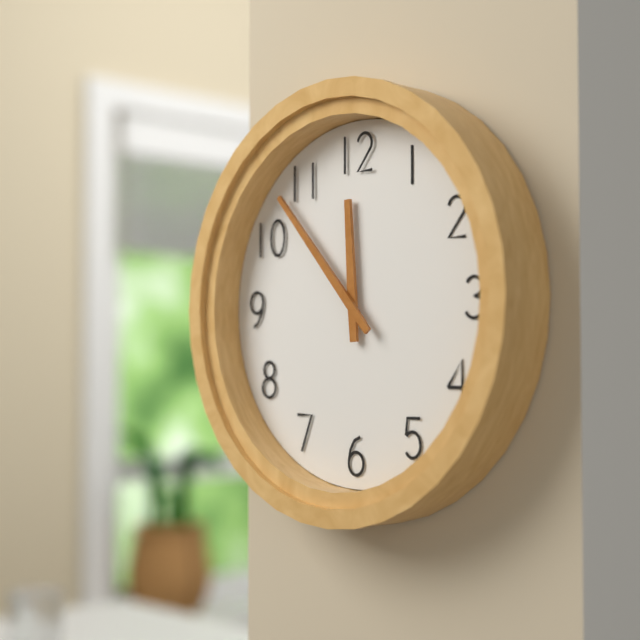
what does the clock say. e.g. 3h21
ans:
11h53
